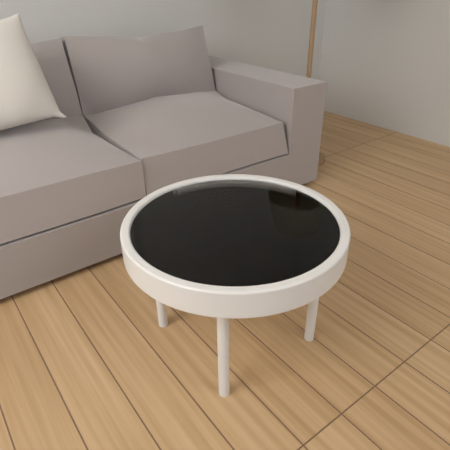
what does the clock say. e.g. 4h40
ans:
1h20
